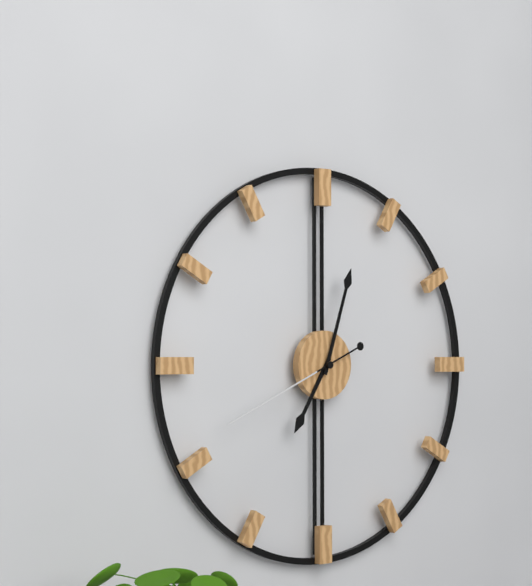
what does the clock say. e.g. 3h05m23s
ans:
7h03m41s
